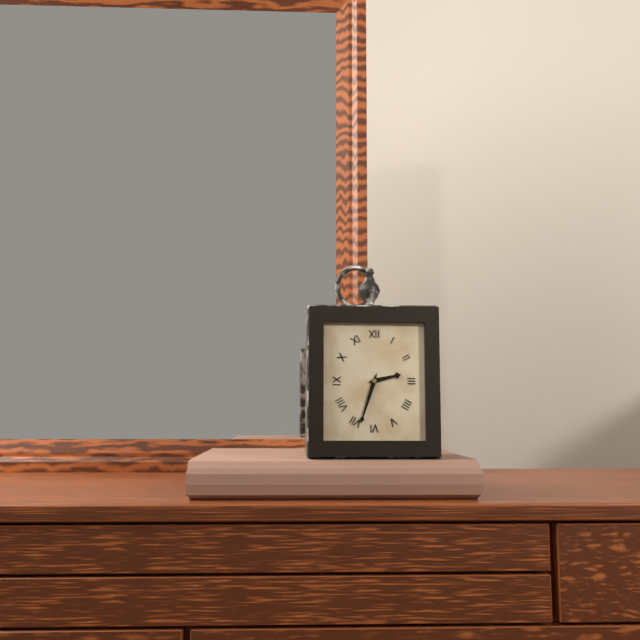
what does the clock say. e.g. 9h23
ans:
2h33
